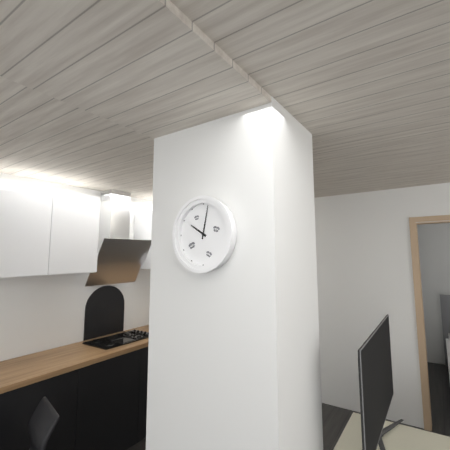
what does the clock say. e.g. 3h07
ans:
10h02
